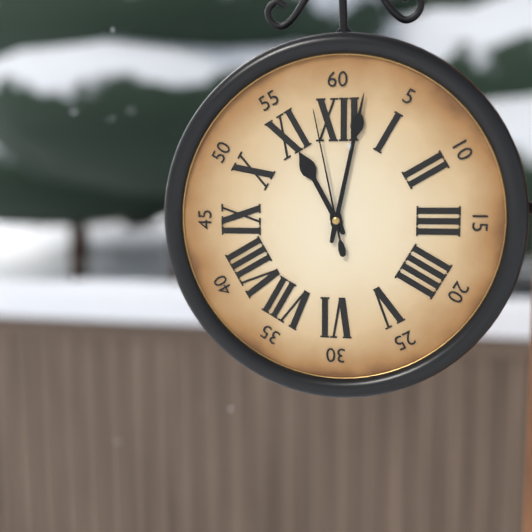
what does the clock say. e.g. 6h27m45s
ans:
11h02m58s
